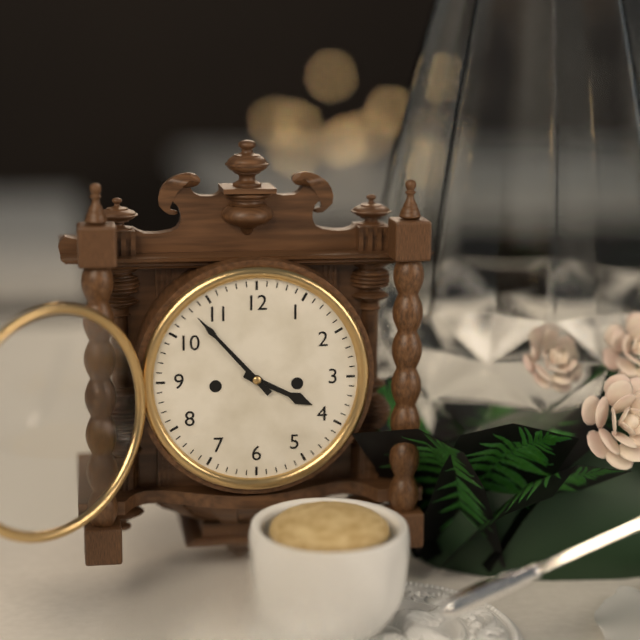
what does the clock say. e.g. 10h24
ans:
3h53
